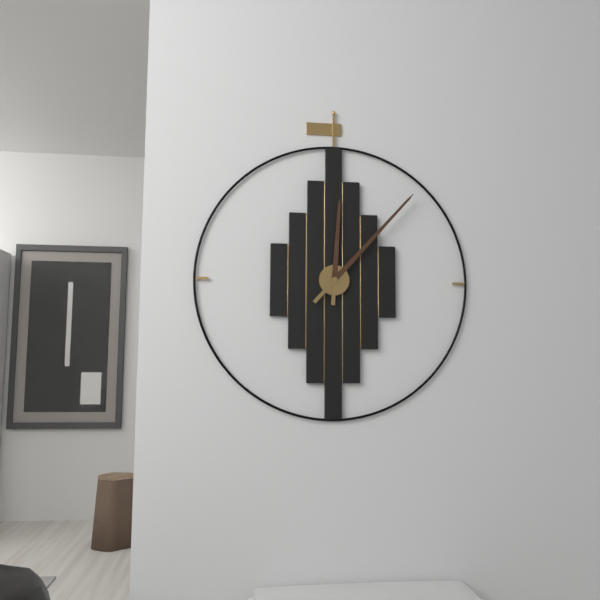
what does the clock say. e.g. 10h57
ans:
12h07
